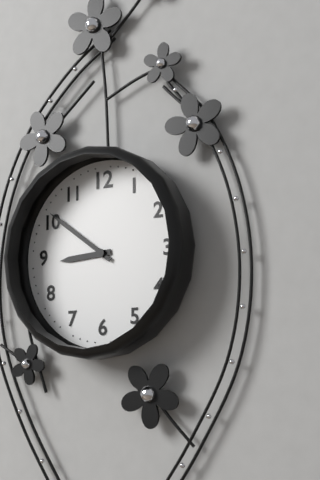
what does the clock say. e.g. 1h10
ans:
8h51
